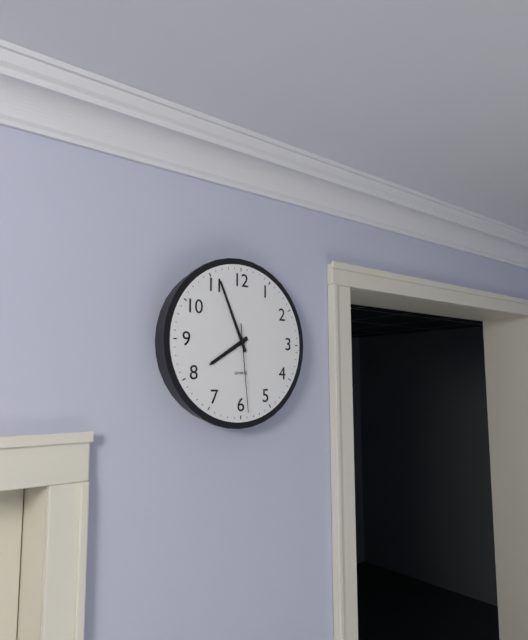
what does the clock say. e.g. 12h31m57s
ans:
7h56m29s
